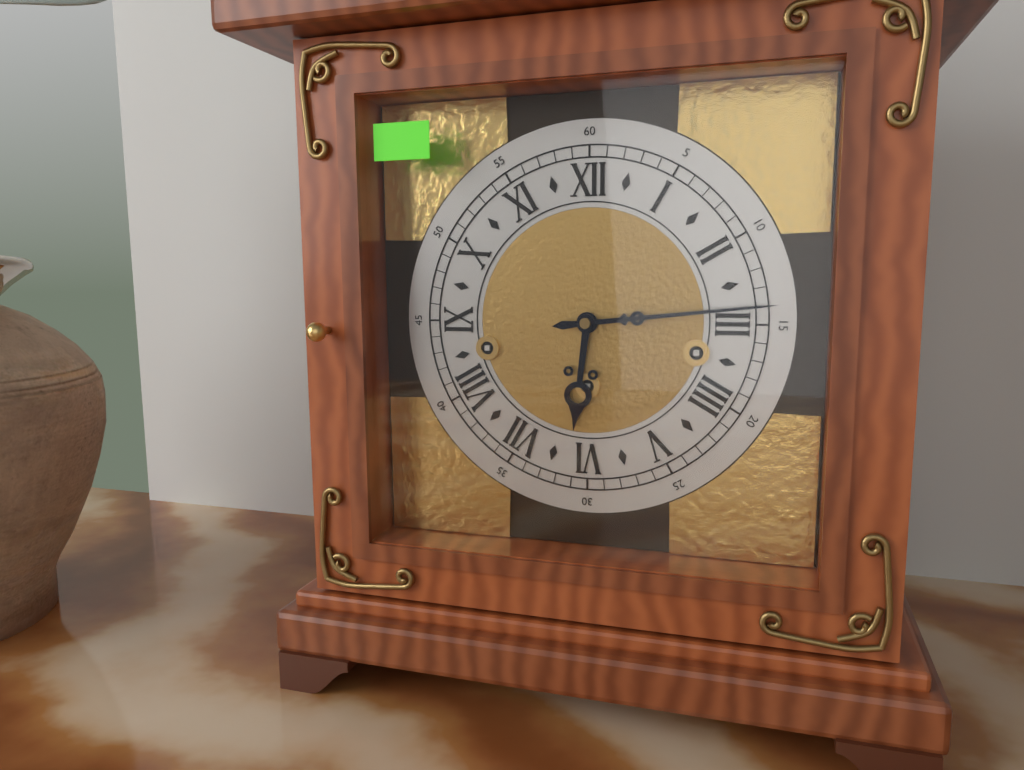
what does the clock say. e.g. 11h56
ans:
6h14
